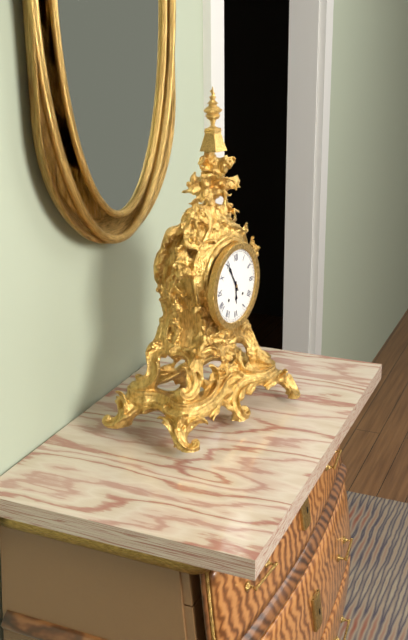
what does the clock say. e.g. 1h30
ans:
5h55
